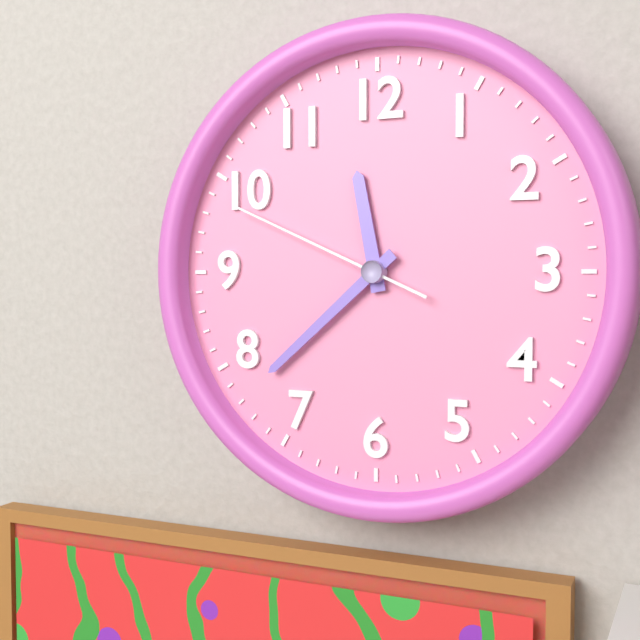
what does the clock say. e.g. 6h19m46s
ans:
11h38m49s
